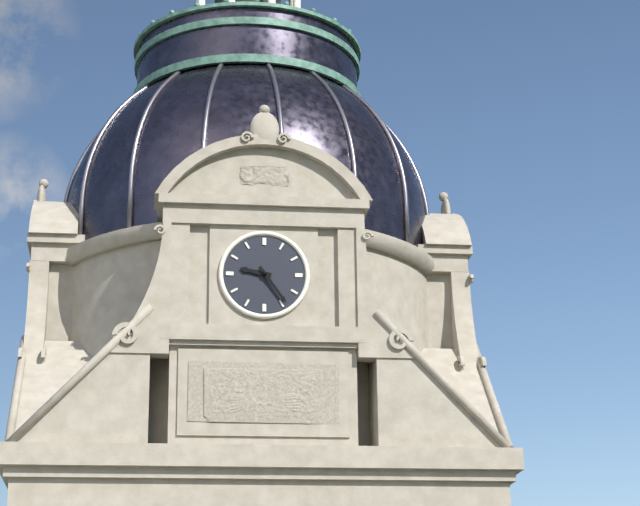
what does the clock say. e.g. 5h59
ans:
9h24
